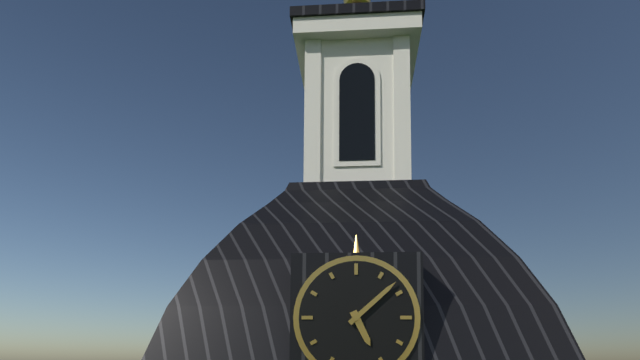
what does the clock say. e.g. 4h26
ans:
5h08
